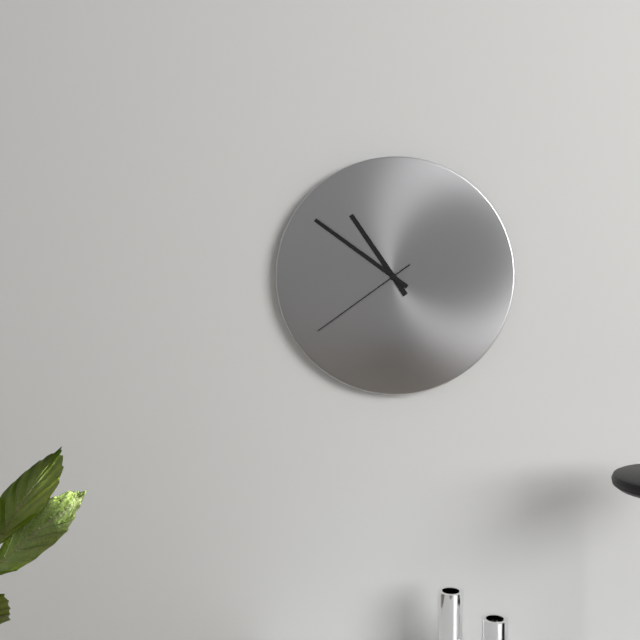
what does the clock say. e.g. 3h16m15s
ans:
10h51m39s
